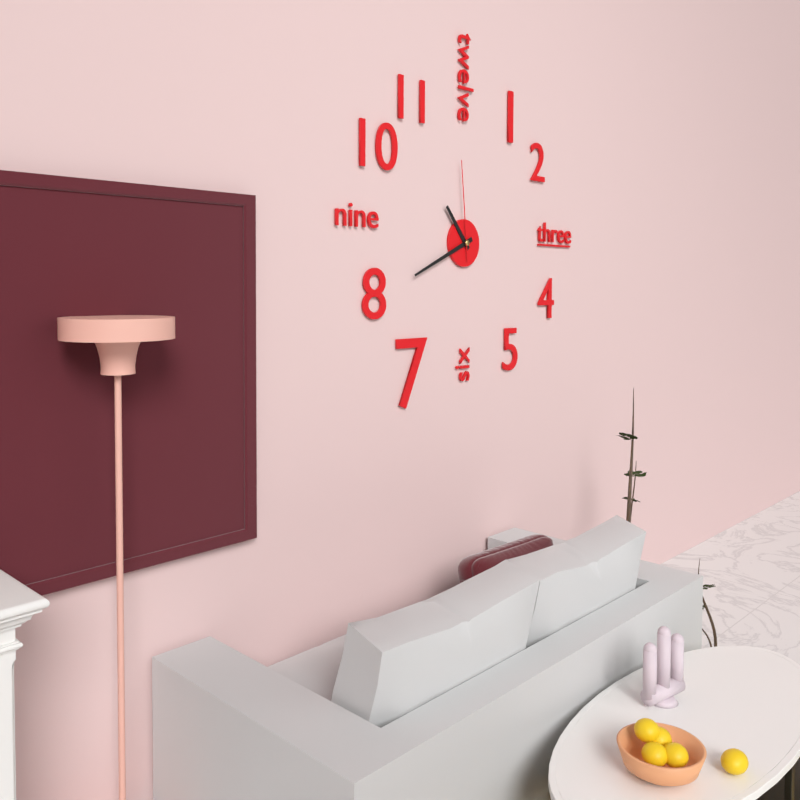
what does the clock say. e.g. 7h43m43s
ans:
10h41m59s
